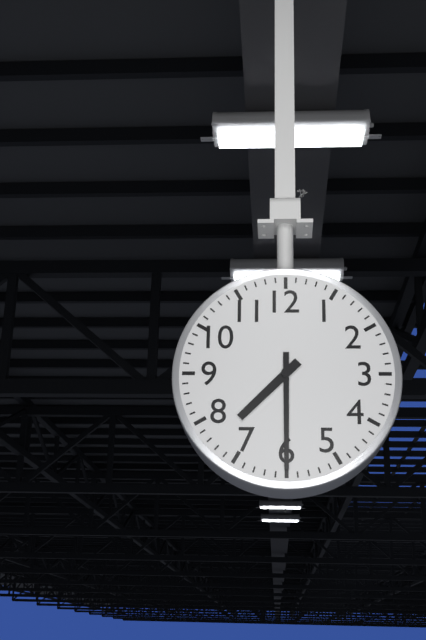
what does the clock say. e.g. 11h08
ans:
7h30
